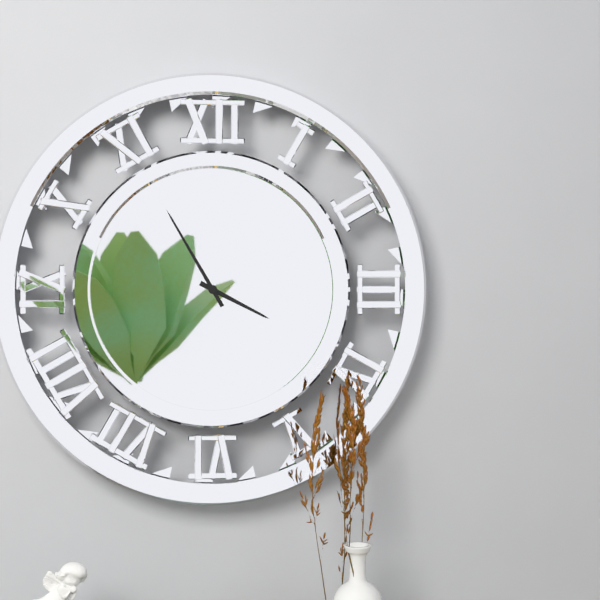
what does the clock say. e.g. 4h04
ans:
3h55
